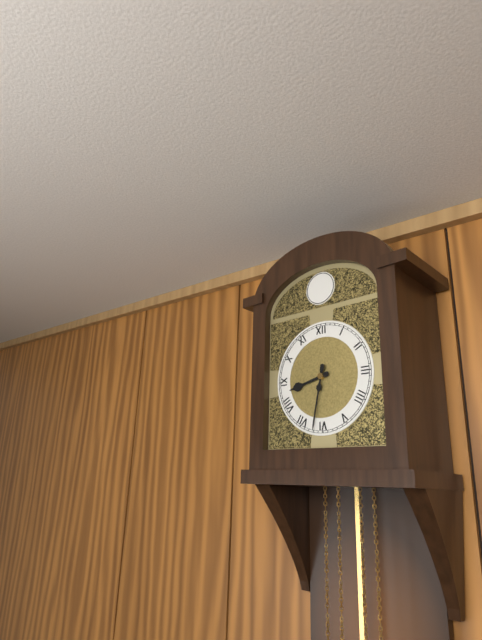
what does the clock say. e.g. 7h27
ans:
8h32
